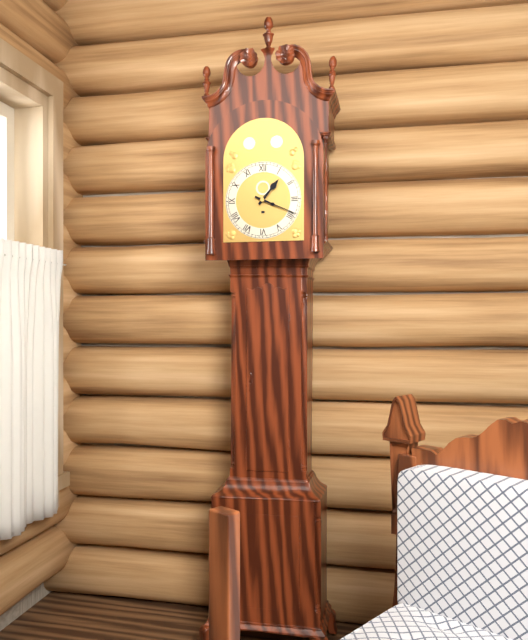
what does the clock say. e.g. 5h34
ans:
1h19
